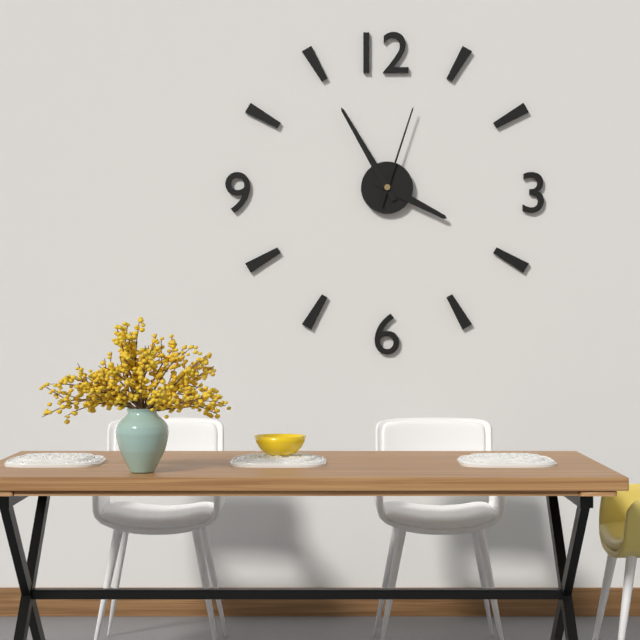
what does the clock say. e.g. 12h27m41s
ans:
3h55m03s
